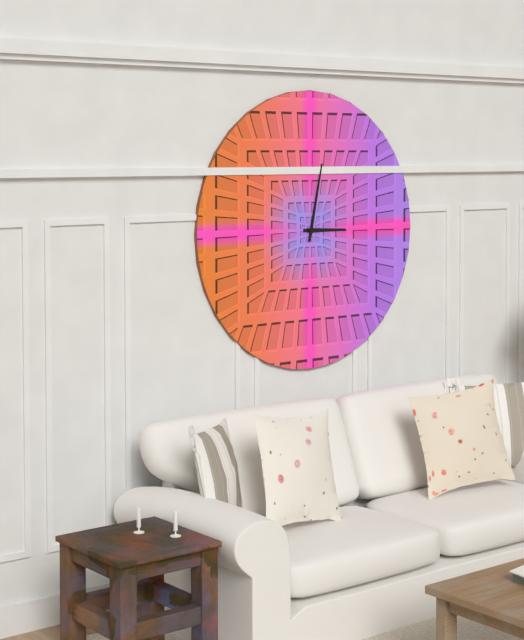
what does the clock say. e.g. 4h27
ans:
3h02
